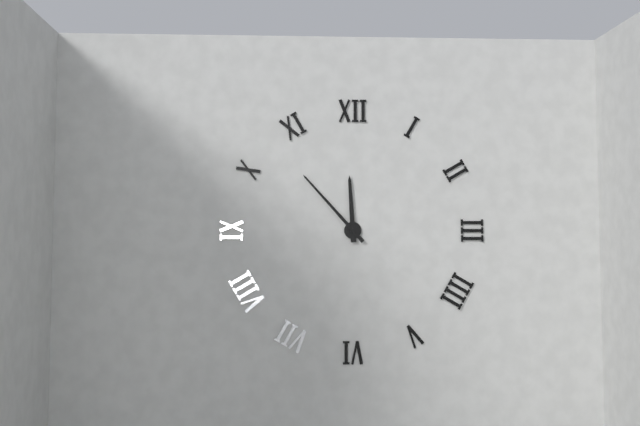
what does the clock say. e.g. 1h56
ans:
11h53
